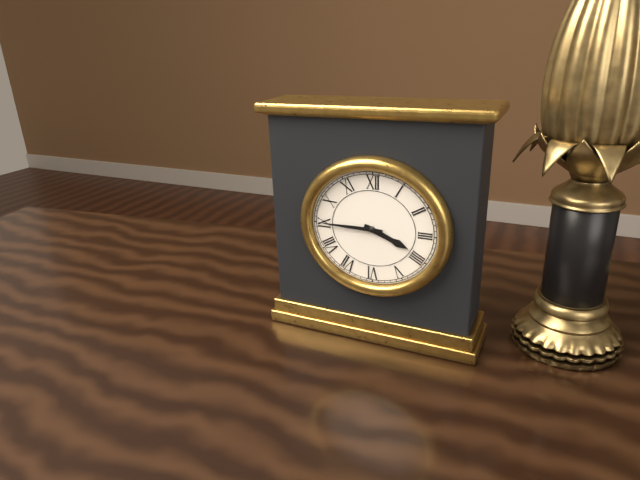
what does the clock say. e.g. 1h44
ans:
3h45
